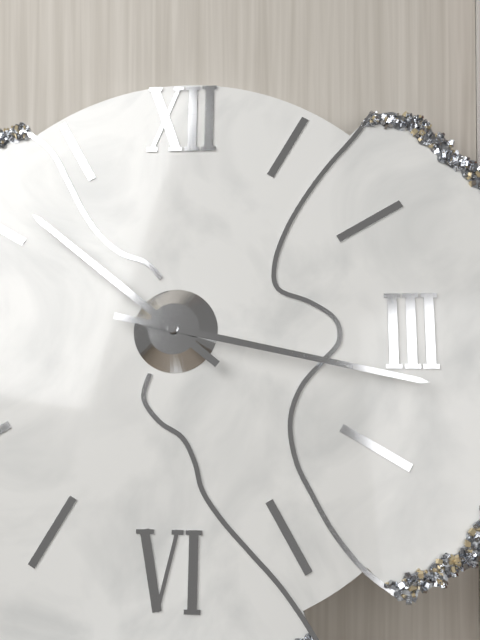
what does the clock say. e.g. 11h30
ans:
10h17
